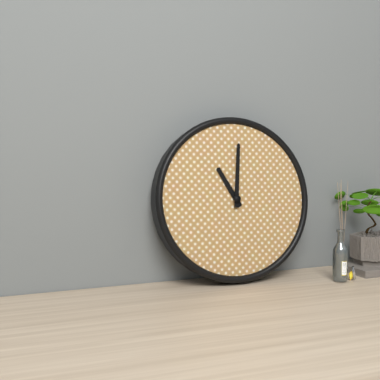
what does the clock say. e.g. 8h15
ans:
11h01
